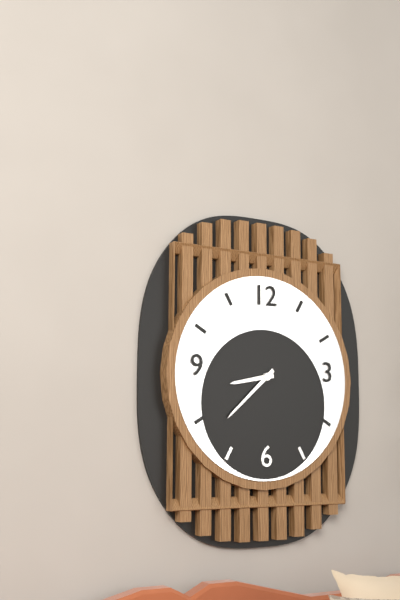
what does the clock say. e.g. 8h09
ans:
8h38
